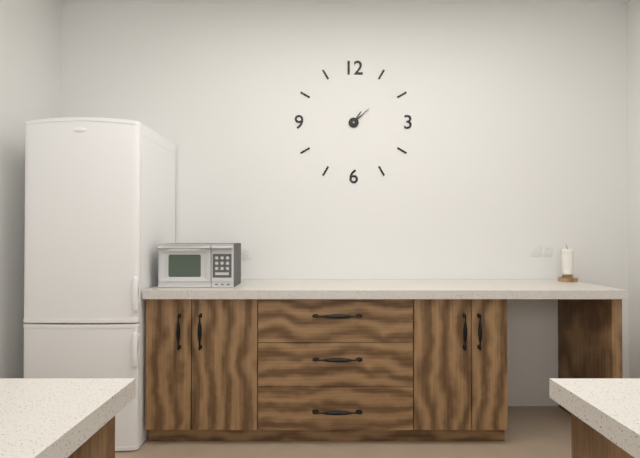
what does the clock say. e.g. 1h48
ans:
1h08
